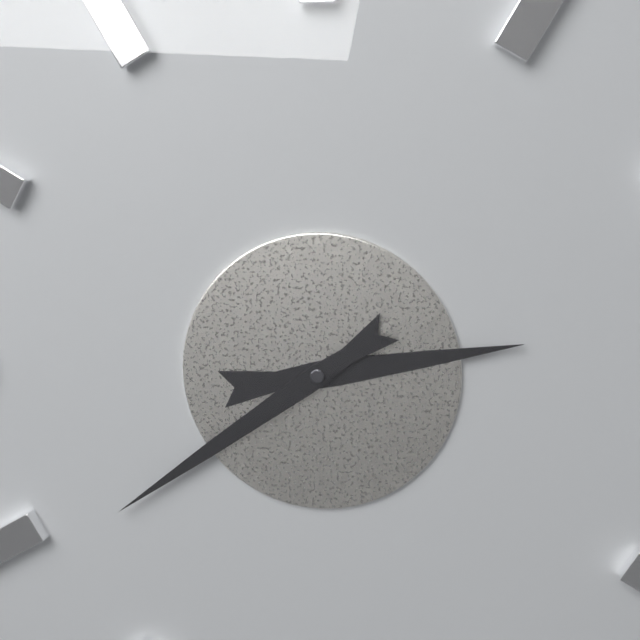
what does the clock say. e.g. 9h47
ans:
2h39
